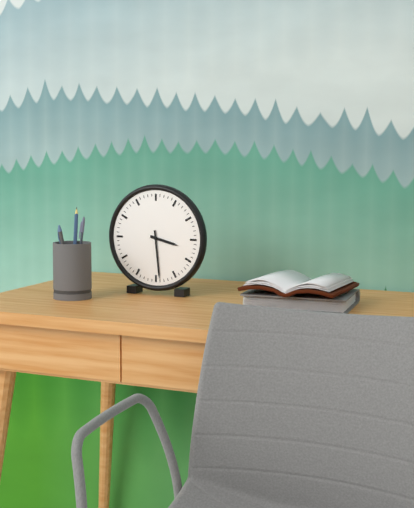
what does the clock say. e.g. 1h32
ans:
3h29
